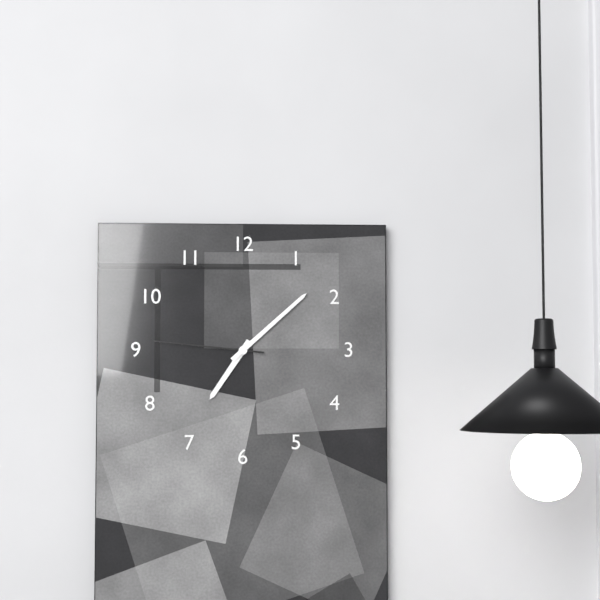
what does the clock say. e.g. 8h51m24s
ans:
7h08m46s
